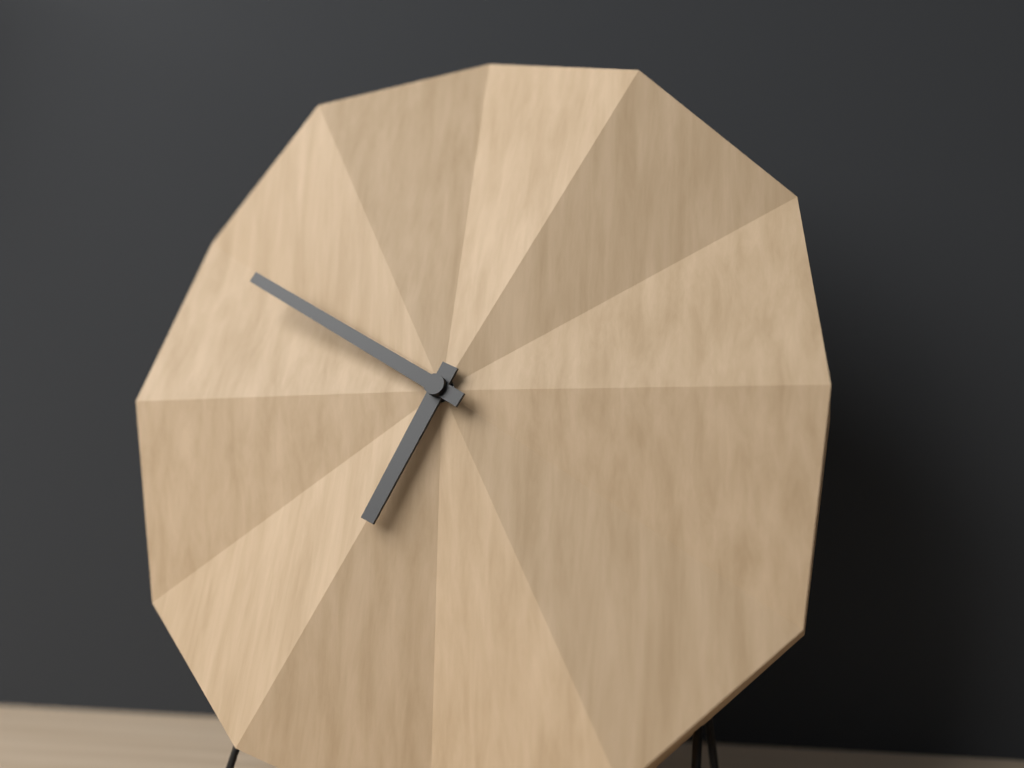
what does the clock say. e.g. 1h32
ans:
6h50
